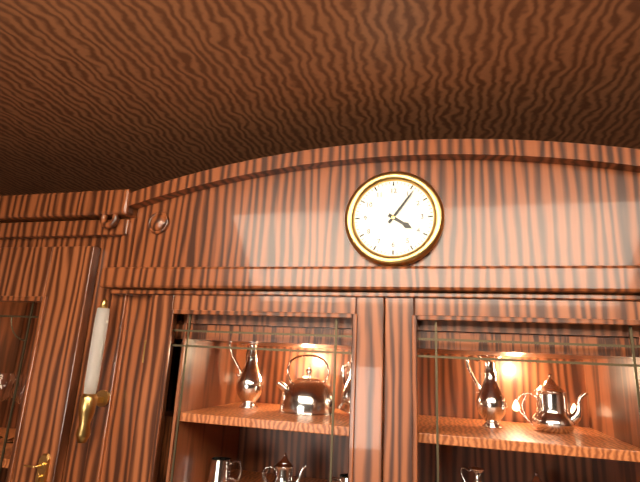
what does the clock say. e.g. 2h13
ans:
4h06
